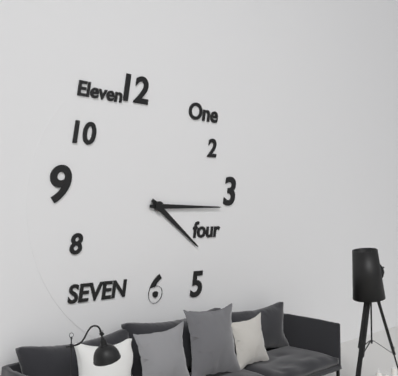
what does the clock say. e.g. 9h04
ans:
4h15
